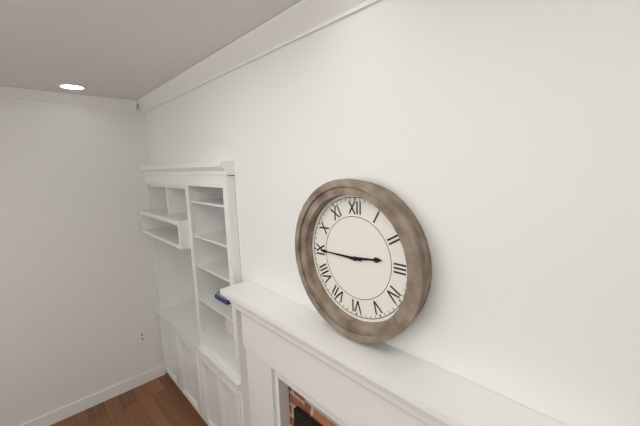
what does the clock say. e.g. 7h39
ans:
2h45
